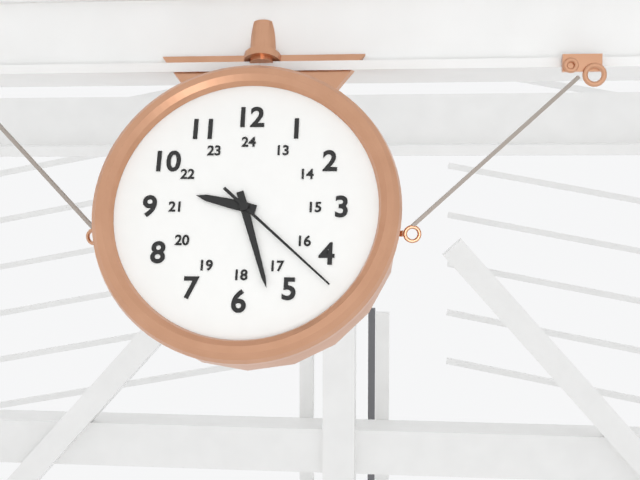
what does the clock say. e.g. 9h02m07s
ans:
9h27m22s
